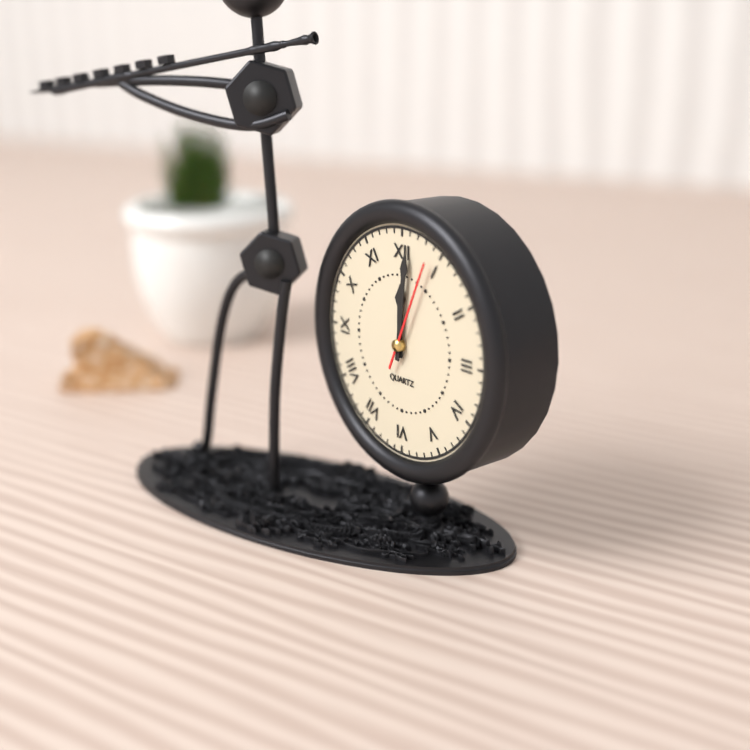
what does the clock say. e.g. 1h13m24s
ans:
12h01m04s
